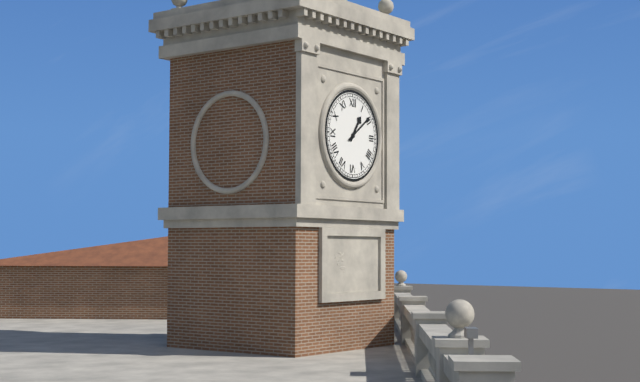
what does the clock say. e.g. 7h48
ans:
1h09
